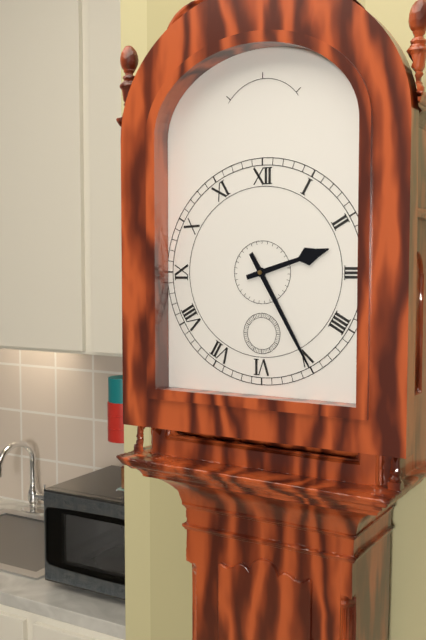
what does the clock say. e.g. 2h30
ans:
2h25
